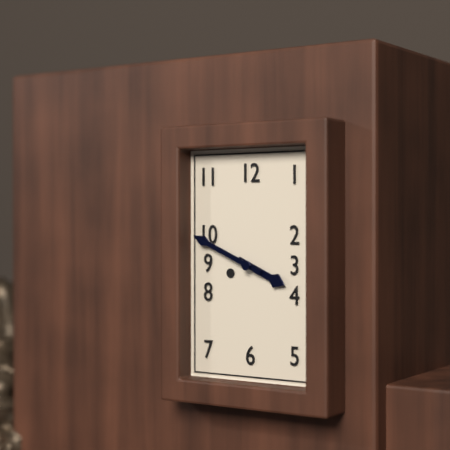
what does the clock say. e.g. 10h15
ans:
3h49
